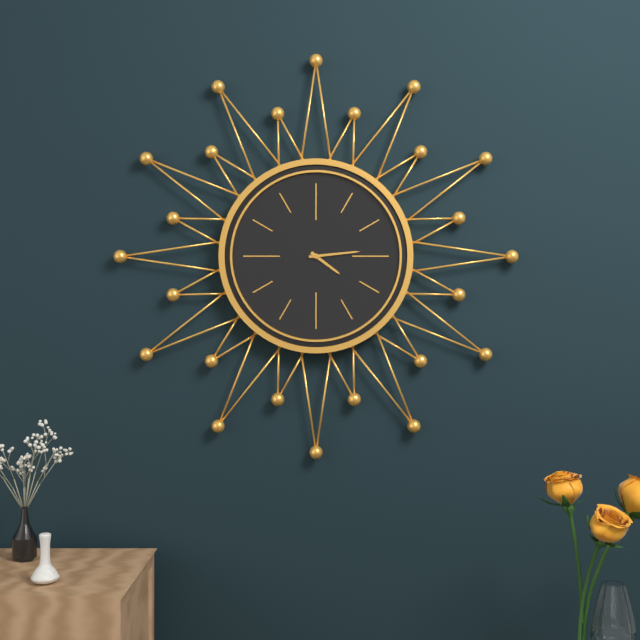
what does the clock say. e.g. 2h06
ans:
4h14
